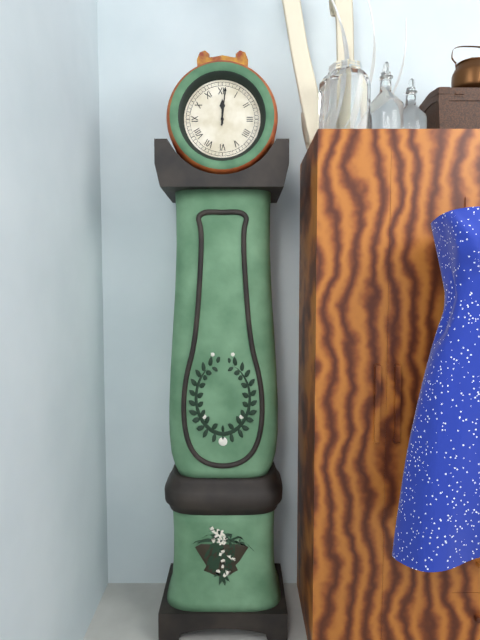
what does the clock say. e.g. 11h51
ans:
12h01
